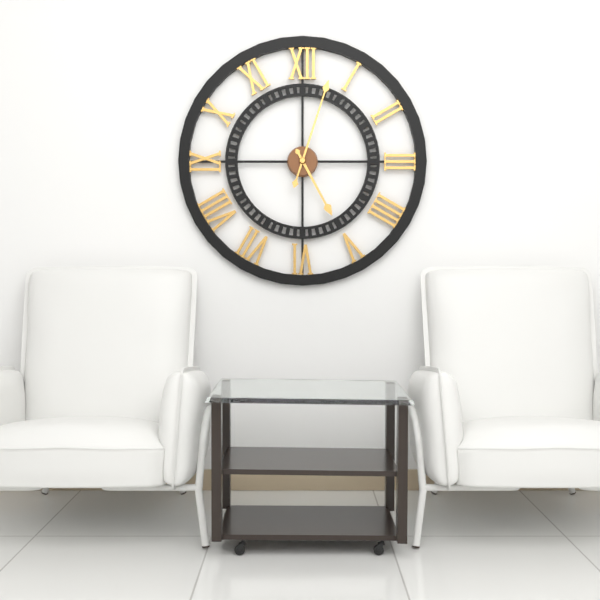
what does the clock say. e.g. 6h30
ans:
5h03
